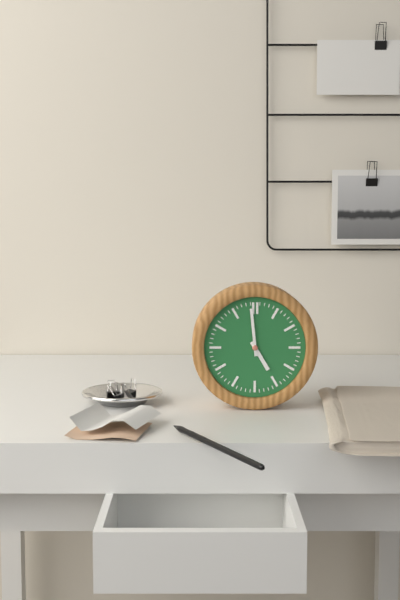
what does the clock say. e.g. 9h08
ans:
4h59
